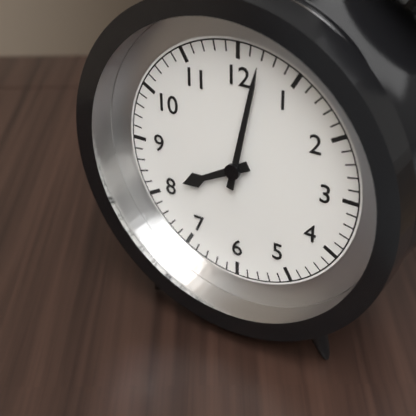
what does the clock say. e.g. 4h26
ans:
8h02
